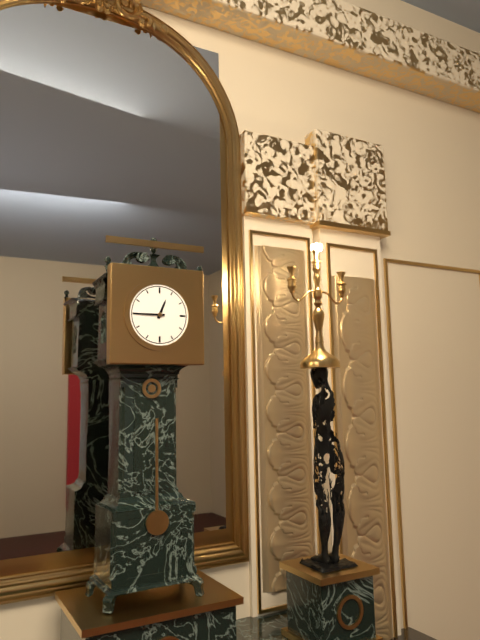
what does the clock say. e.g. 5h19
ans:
12h45
